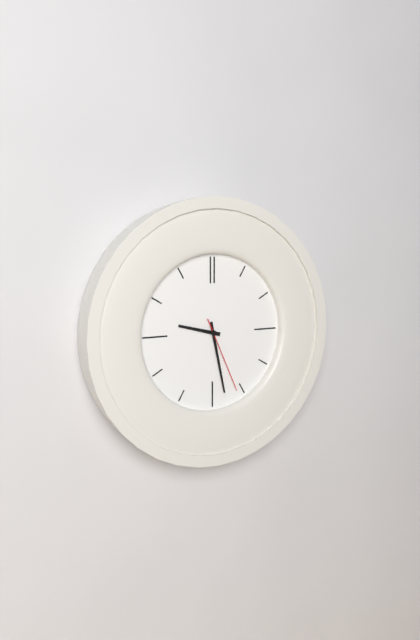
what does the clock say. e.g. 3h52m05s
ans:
9h28m26s
